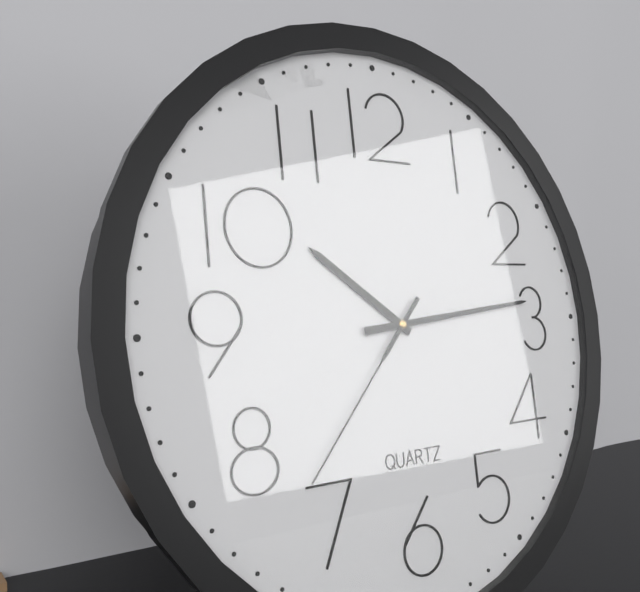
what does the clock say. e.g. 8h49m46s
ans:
10h14m37s
